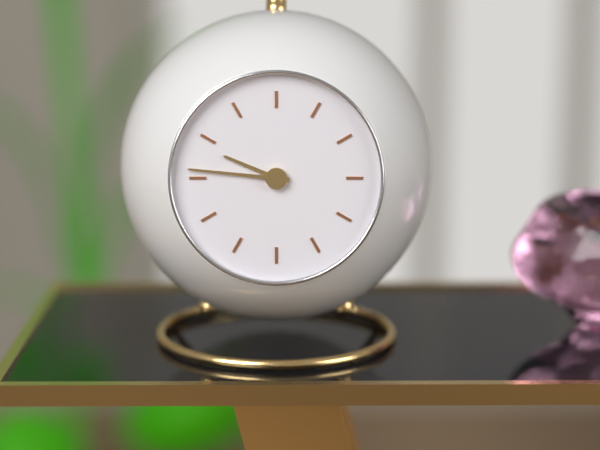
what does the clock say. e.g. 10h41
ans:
9h46
